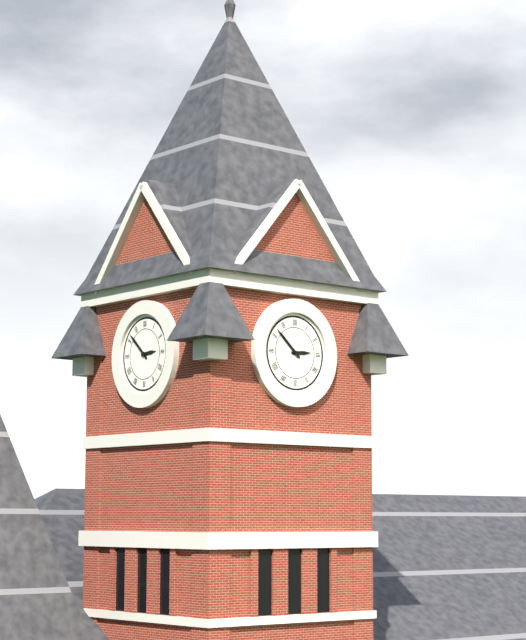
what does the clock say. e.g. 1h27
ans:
2h52
